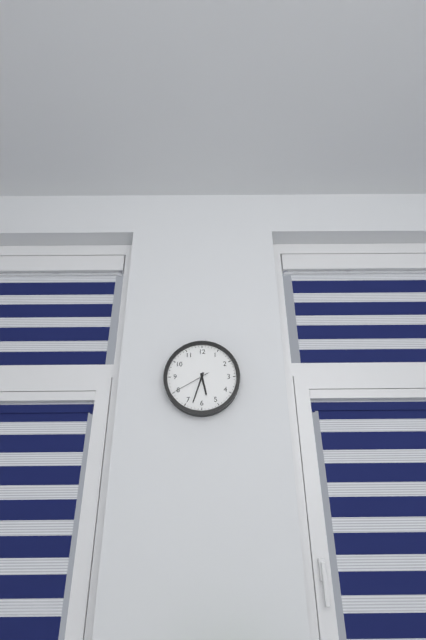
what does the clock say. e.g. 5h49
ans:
5h33
